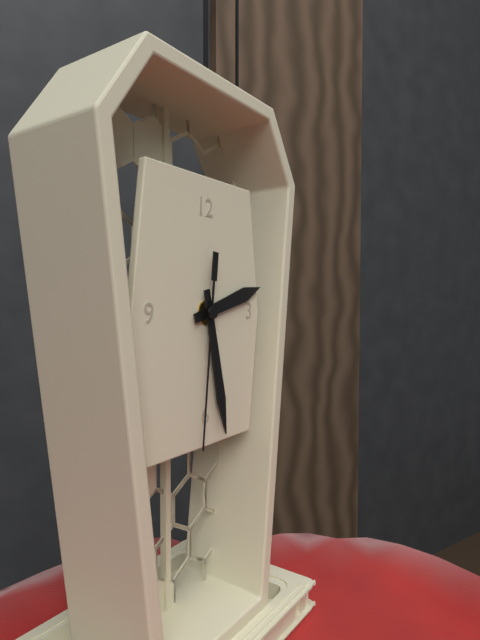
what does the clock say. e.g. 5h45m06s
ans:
2h28m31s
